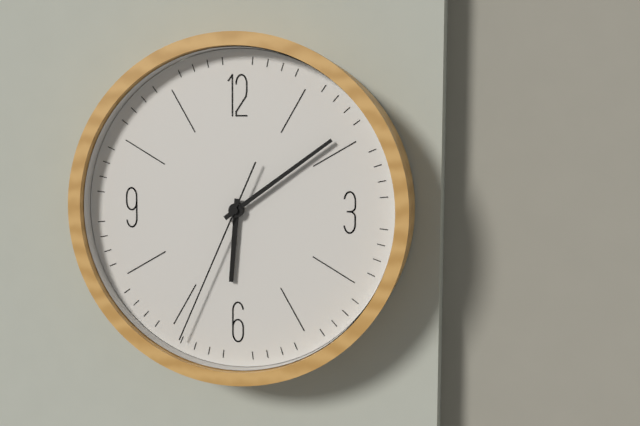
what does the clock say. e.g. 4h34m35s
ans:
6h09m34s
